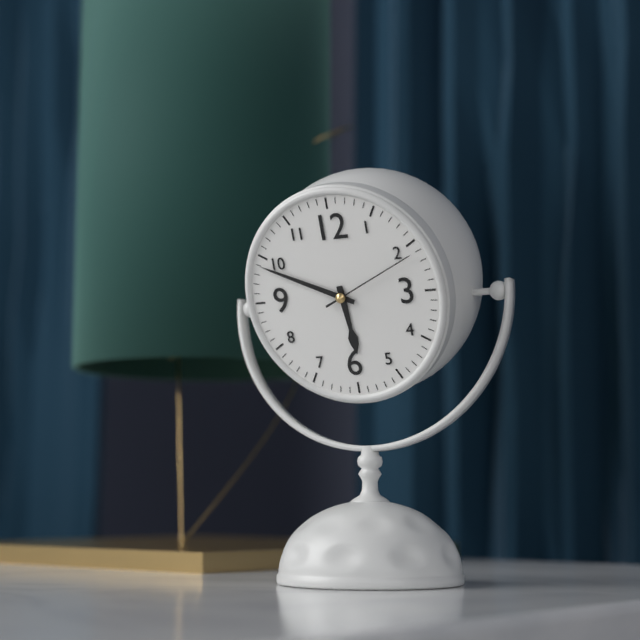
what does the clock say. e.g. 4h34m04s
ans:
5h49m11s
